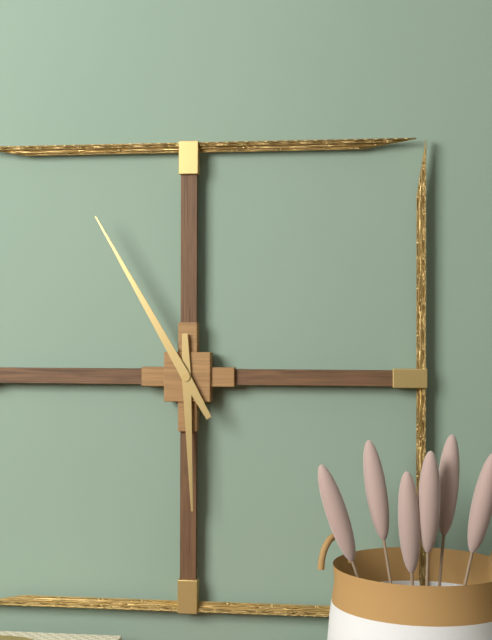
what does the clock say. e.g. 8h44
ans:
5h55
